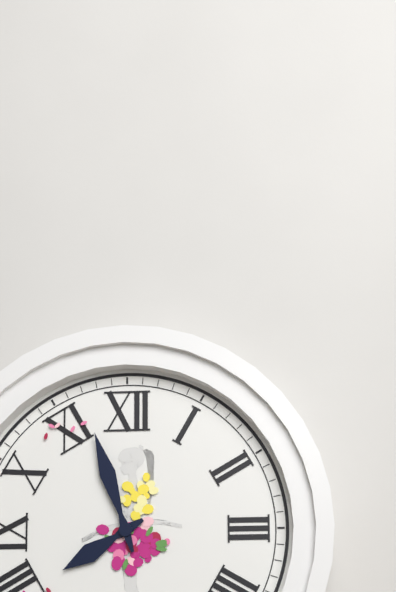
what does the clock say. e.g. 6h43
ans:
7h57
